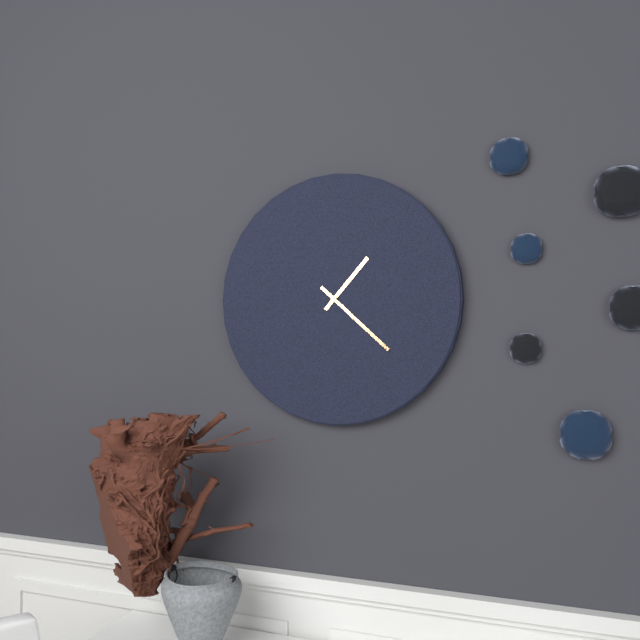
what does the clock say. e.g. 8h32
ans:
1h22
